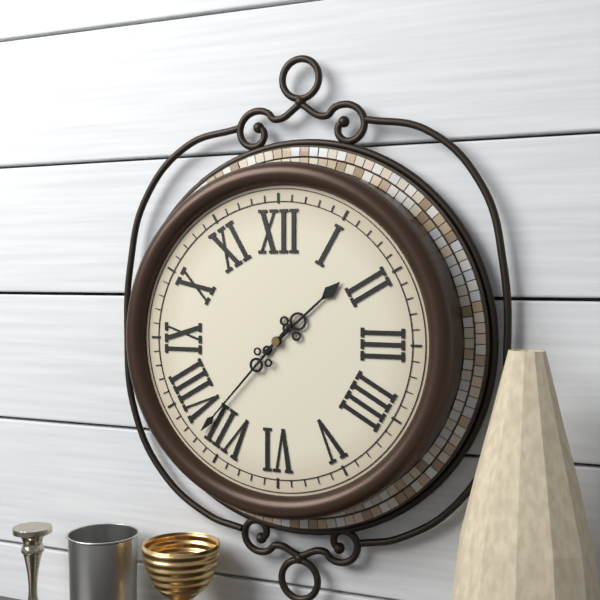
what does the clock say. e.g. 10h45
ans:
1h37
